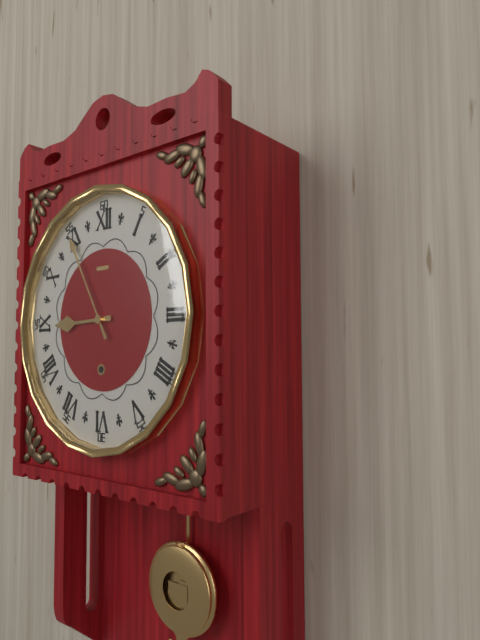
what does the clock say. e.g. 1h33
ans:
8h55
